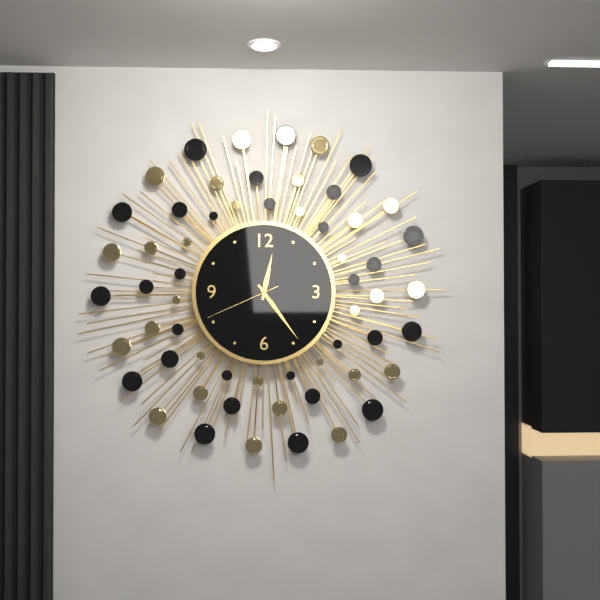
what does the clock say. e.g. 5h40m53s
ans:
12h24m41s
